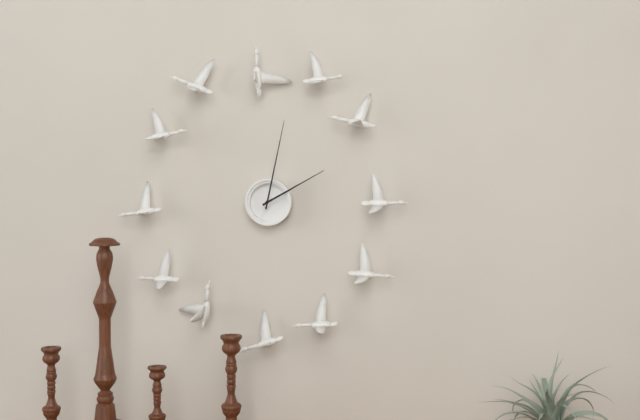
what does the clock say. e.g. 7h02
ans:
2h02
